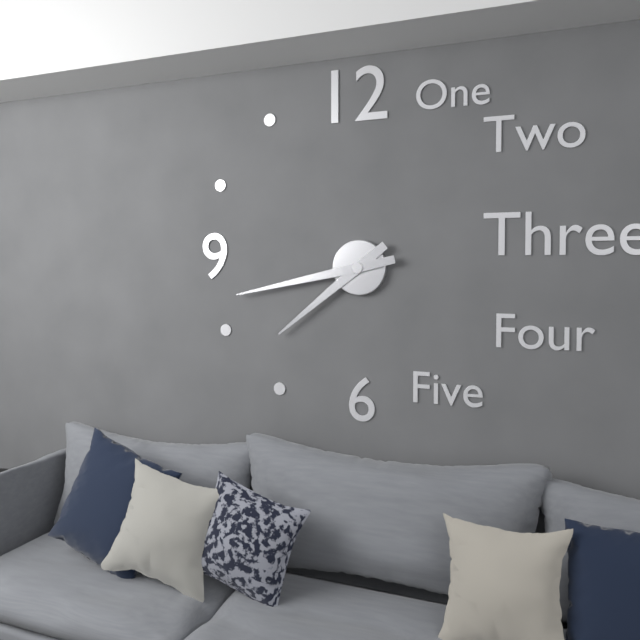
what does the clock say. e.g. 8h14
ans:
7h43
